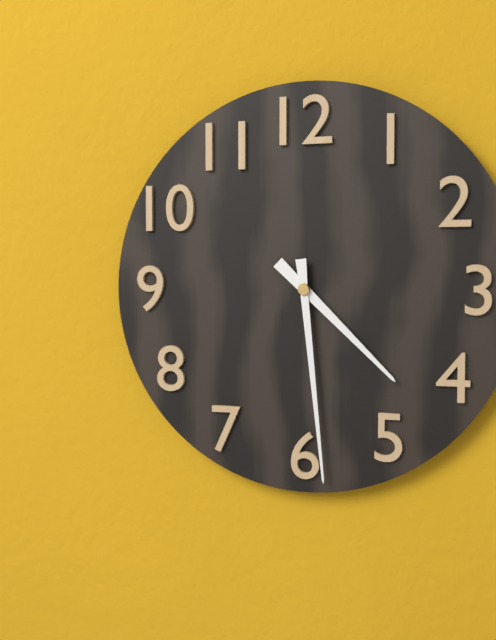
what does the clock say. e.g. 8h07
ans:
4h29
